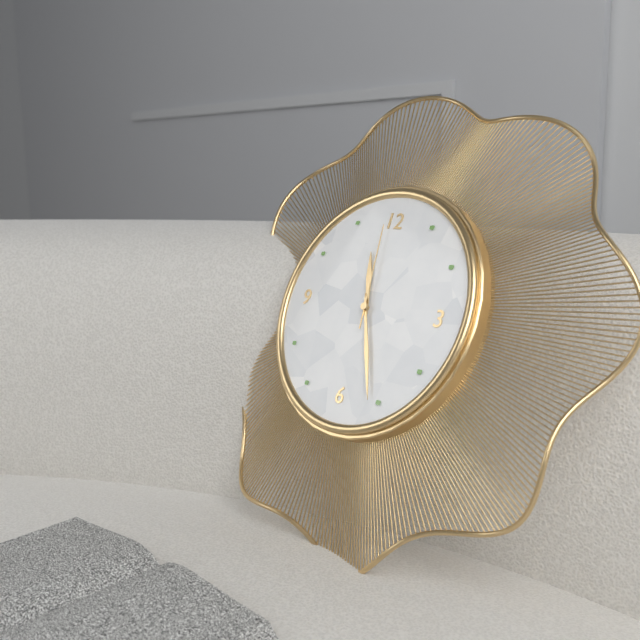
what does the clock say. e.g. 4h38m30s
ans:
11h26m59s
